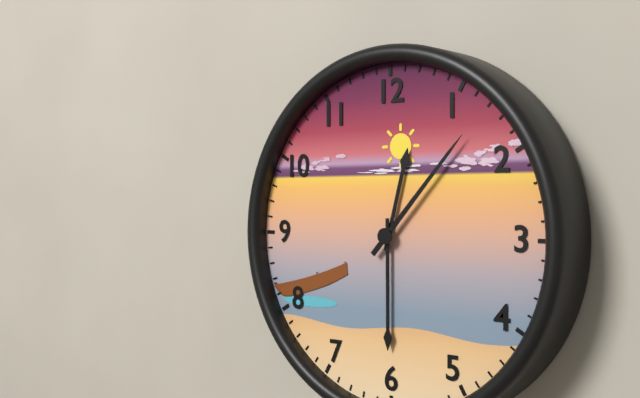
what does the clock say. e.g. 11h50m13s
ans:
12h30m07s
